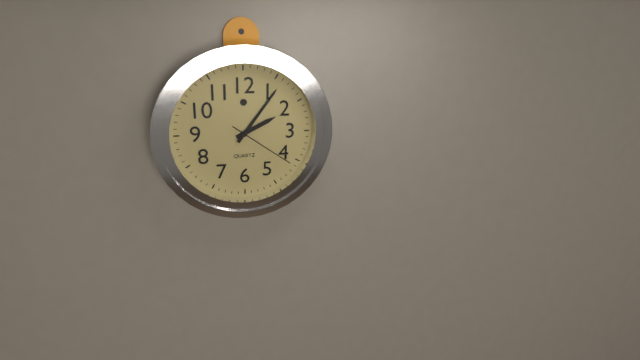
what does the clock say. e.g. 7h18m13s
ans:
2h06m21s
